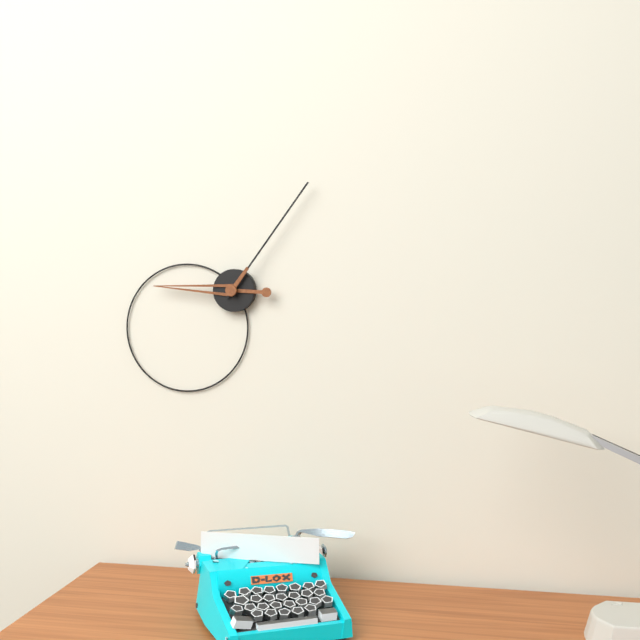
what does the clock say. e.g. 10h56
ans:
9h06
